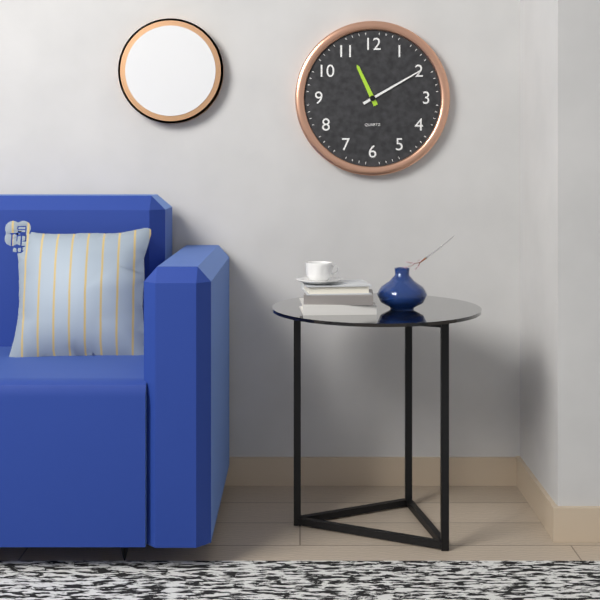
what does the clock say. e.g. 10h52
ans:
11h10
